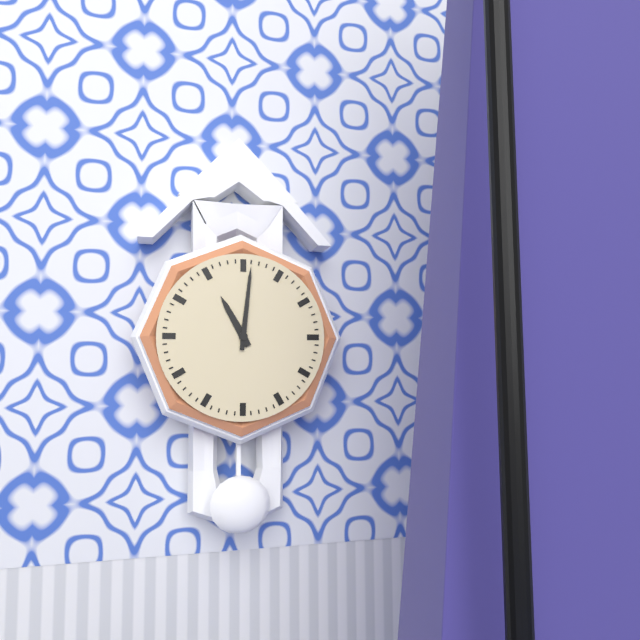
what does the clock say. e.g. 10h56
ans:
11h01
